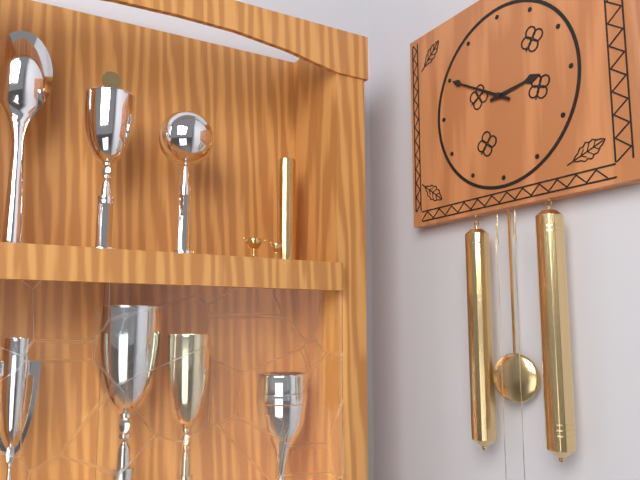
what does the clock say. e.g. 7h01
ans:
2h50
